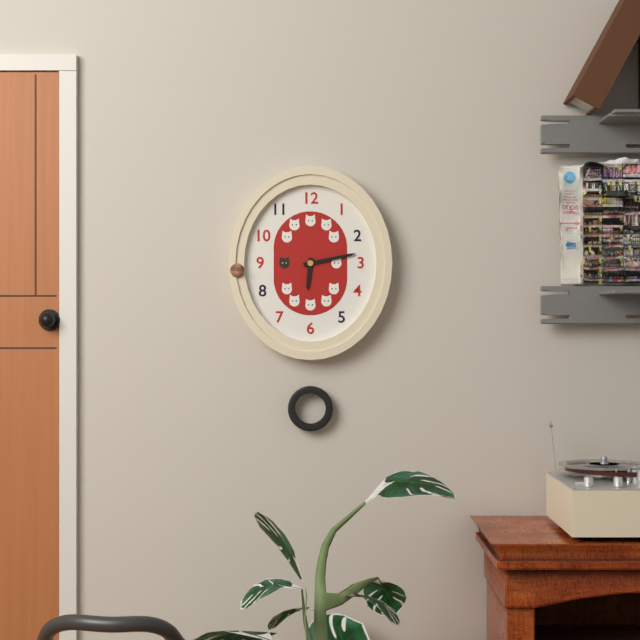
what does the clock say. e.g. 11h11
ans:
6h13
